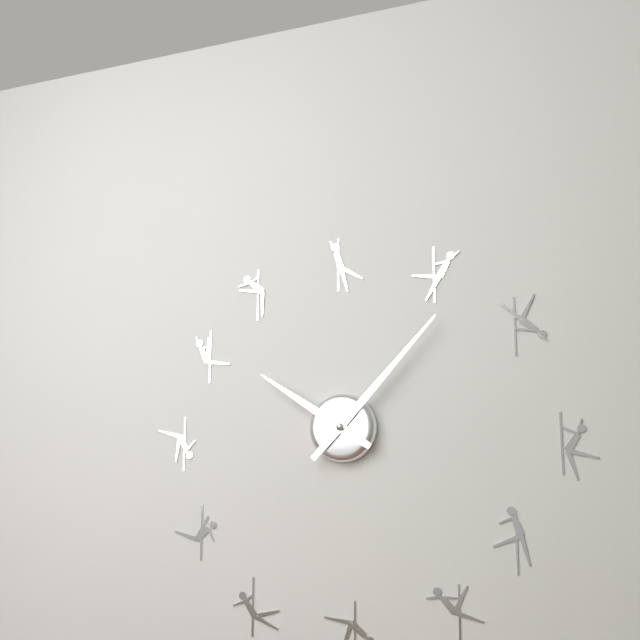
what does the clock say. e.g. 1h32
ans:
10h07
